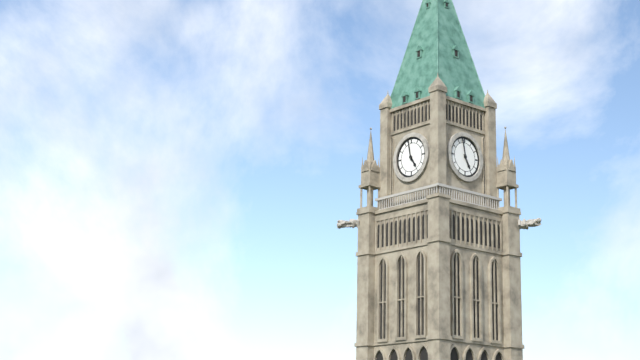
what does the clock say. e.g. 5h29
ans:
4h58
